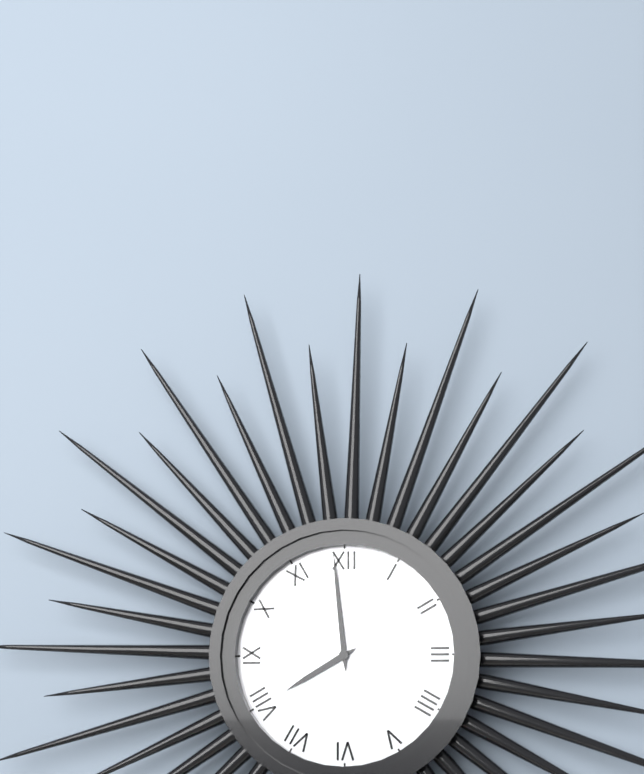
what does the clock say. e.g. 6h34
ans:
7h59
